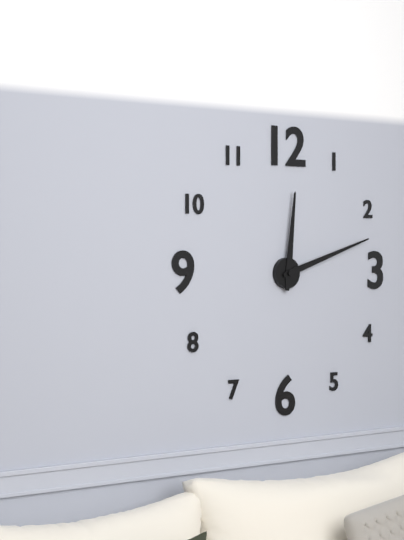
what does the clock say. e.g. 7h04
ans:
12h12
